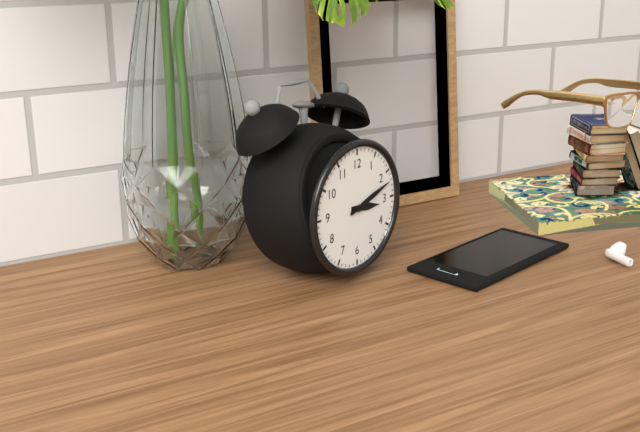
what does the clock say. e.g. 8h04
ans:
3h12
